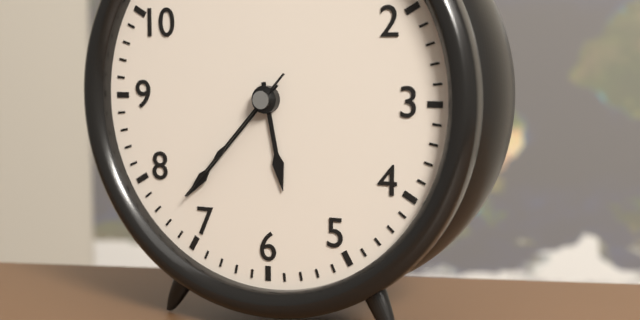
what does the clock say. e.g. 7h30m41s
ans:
5h37m37s
